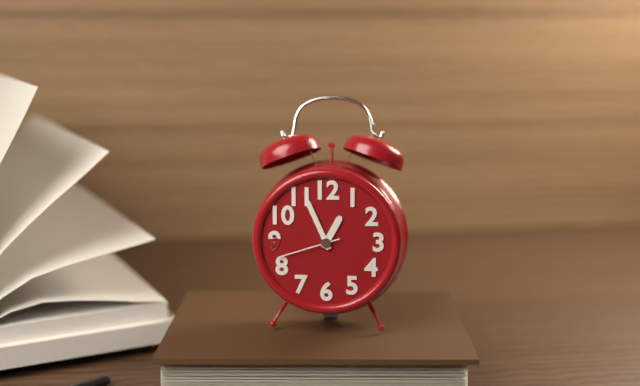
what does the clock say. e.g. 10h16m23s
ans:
12h56m42s
